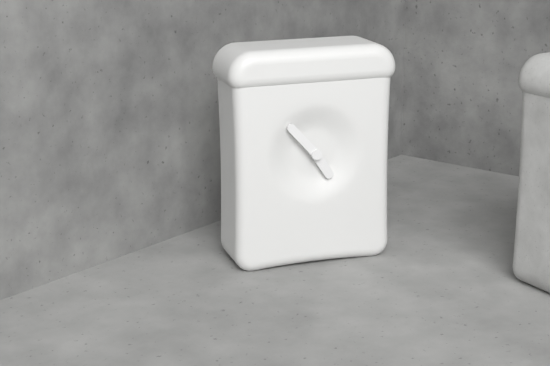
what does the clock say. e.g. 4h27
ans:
4h53
